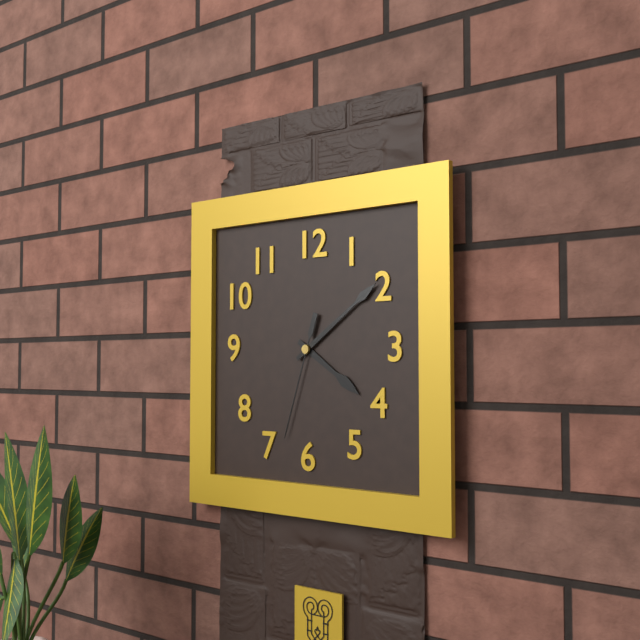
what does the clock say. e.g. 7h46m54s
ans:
4h09m33s
